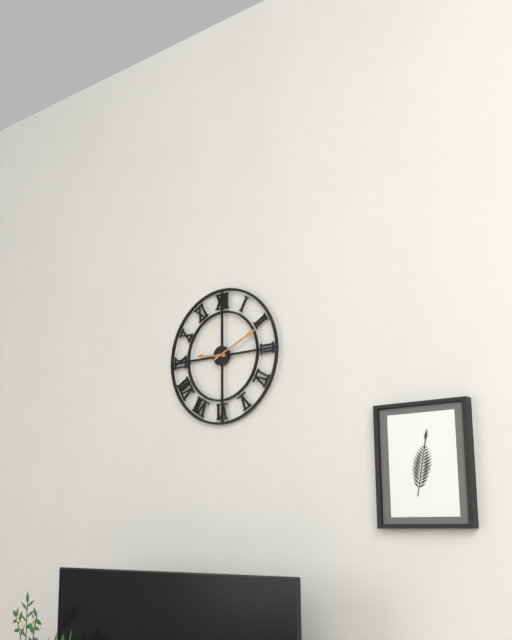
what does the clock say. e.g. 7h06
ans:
9h11
